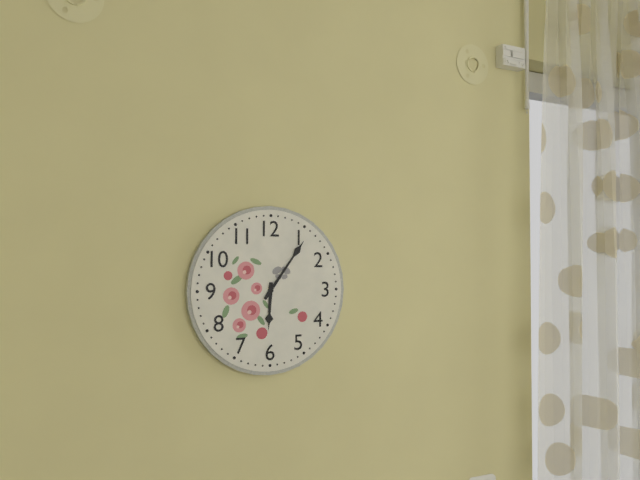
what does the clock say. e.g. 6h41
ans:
6h06
